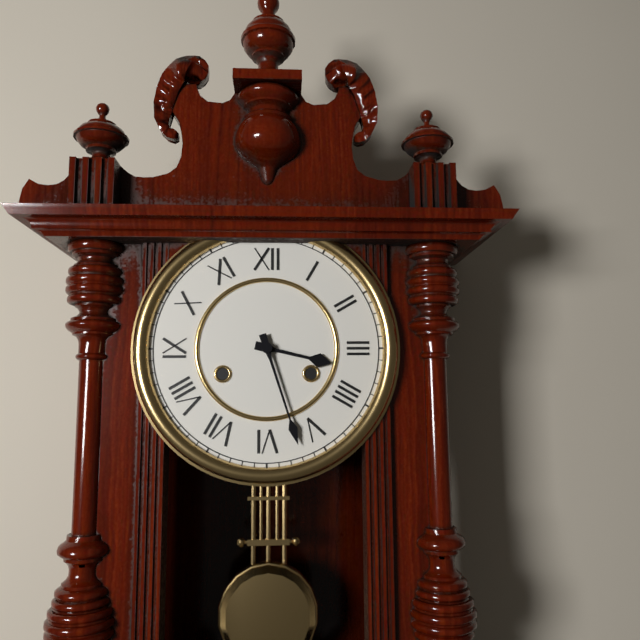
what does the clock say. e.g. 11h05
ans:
3h27
